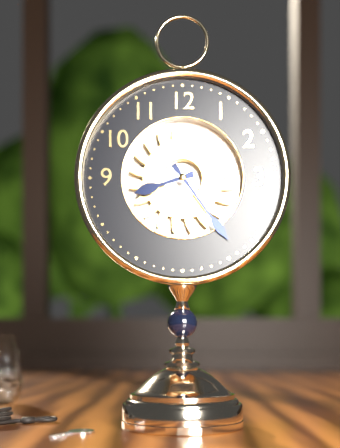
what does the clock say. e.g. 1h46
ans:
8h24
